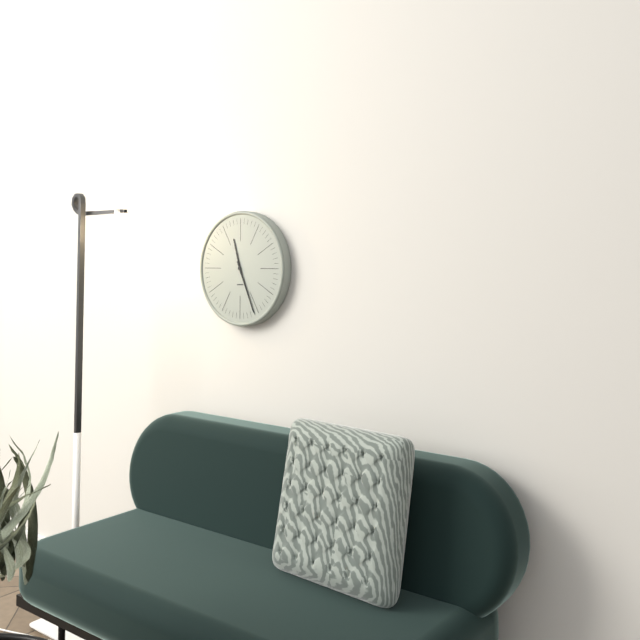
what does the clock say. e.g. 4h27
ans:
11h26
